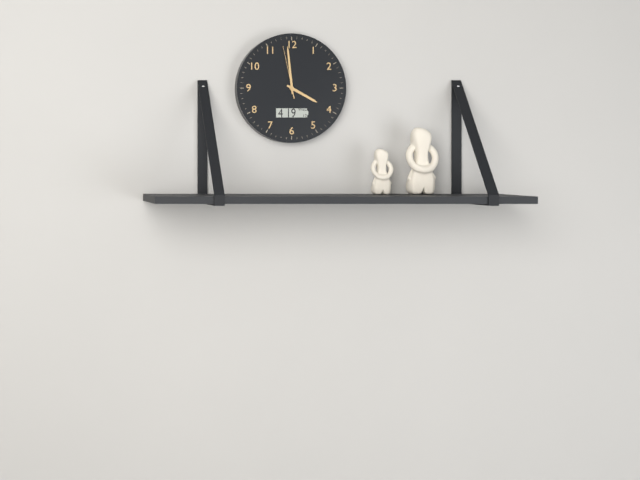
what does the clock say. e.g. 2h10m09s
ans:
3h59m58s
